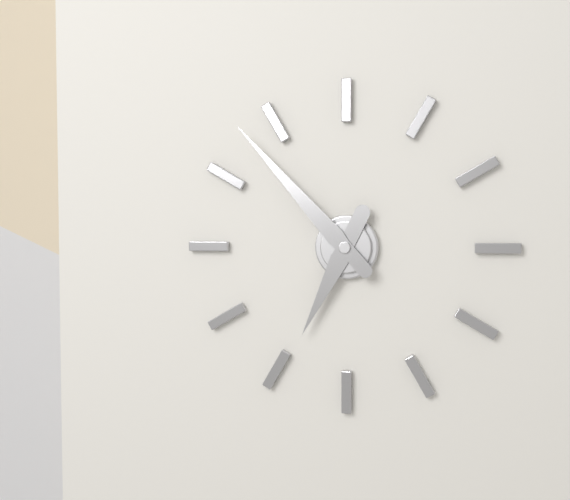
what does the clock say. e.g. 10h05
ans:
6h53
